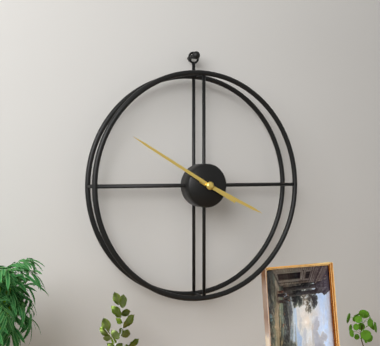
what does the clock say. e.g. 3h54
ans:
3h50
